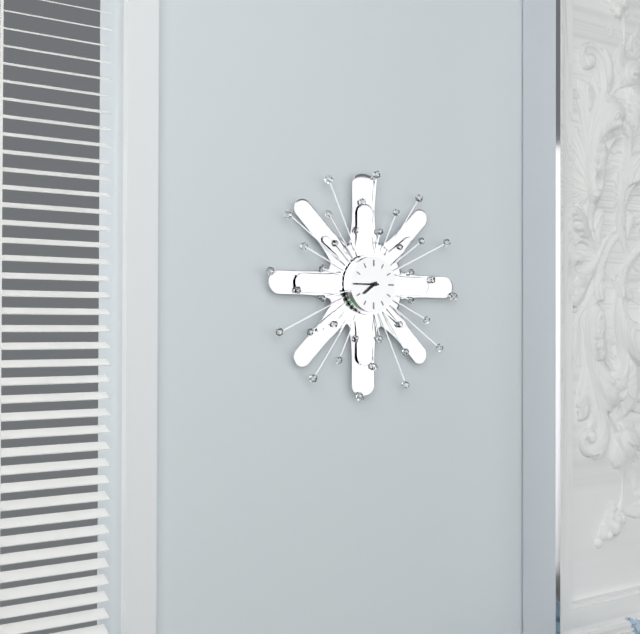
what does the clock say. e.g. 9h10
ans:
7h45
